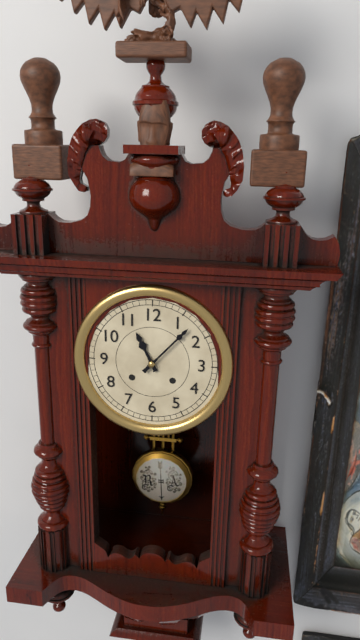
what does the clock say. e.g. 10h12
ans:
11h07
